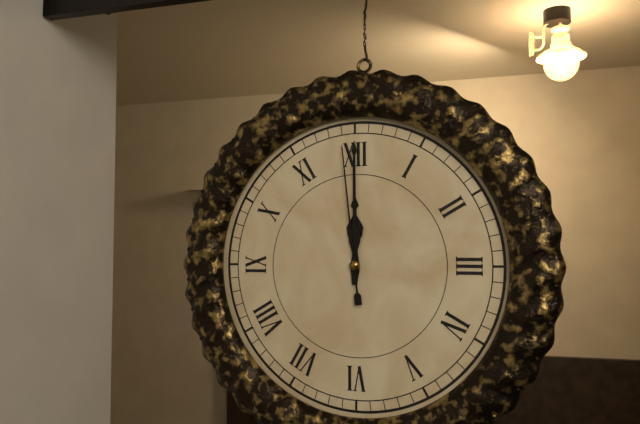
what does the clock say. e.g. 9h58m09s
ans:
12h00m59s
